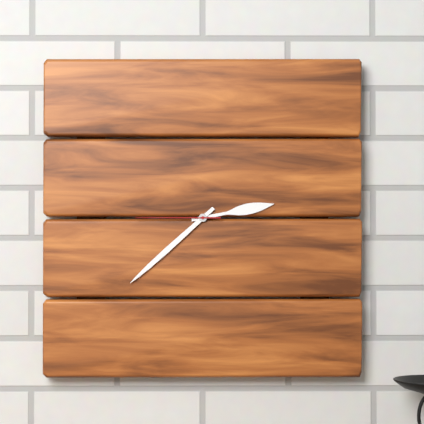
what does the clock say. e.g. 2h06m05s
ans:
2h38m45s
